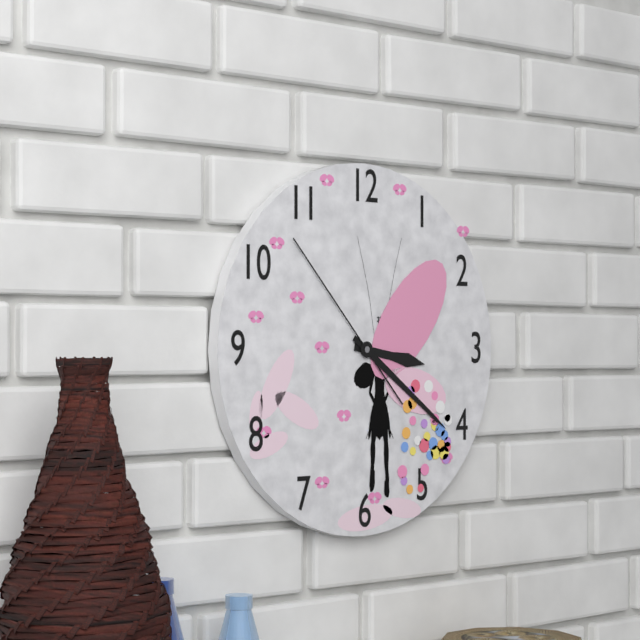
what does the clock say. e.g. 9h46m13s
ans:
3h21m53s
